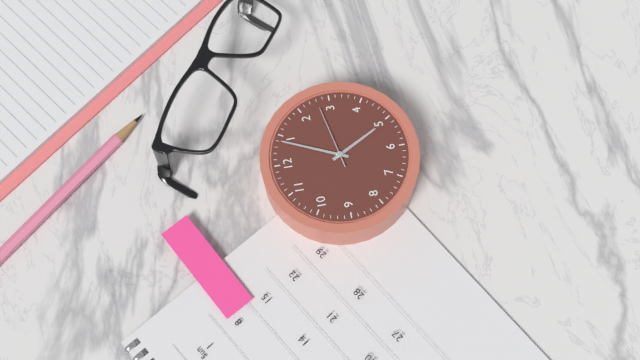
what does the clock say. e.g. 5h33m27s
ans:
5h04m13s
